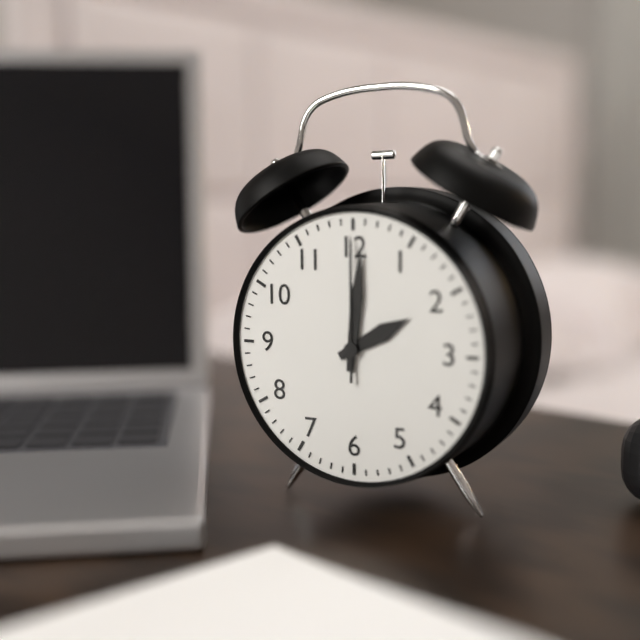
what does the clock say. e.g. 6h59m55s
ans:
2h01m00s
